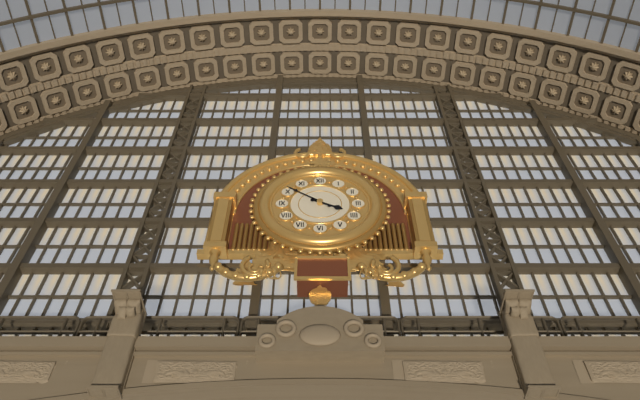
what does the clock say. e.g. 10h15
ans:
3h51
